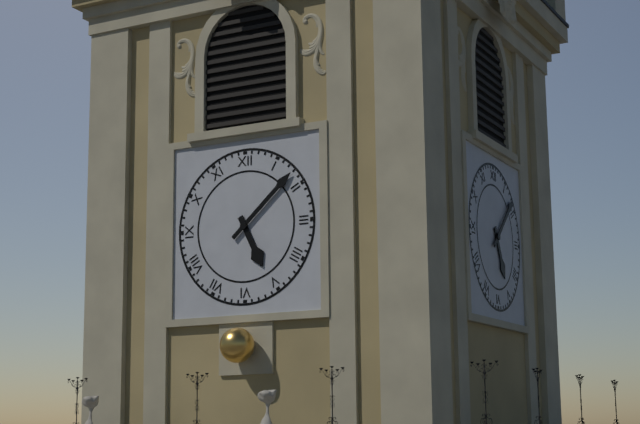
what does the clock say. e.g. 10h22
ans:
5h08
